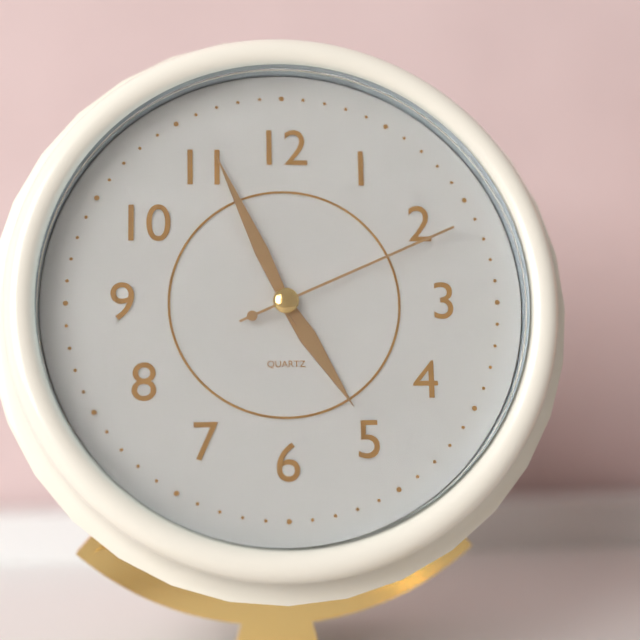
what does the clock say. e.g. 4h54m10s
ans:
4h56m11s
